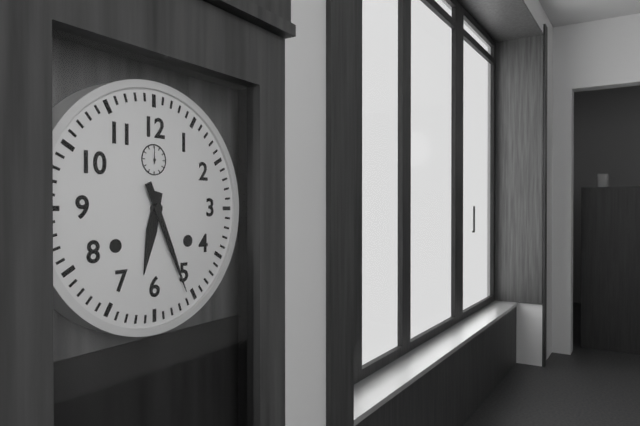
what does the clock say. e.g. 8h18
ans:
6h26
